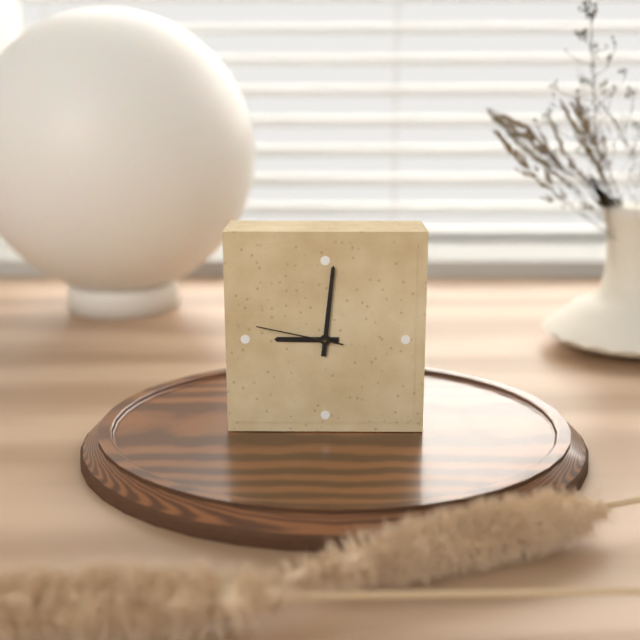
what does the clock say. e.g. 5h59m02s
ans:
9h01m47s
